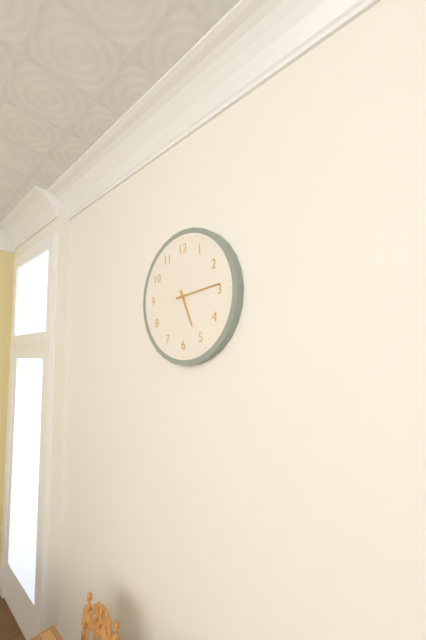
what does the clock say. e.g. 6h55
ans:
5h14
